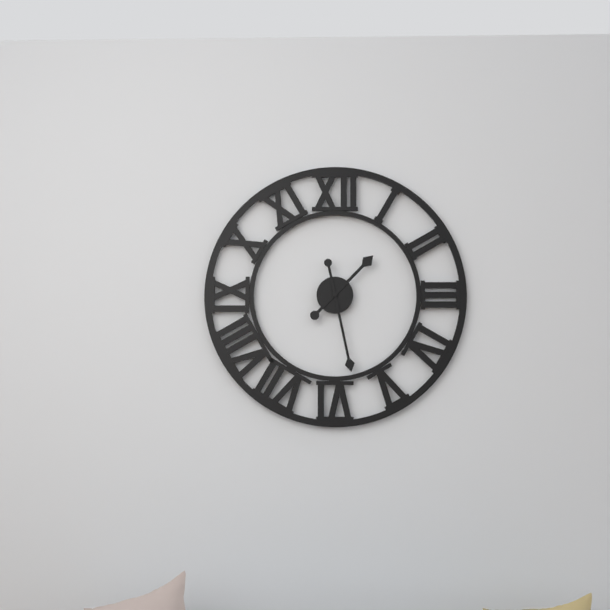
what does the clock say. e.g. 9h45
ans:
1h28
